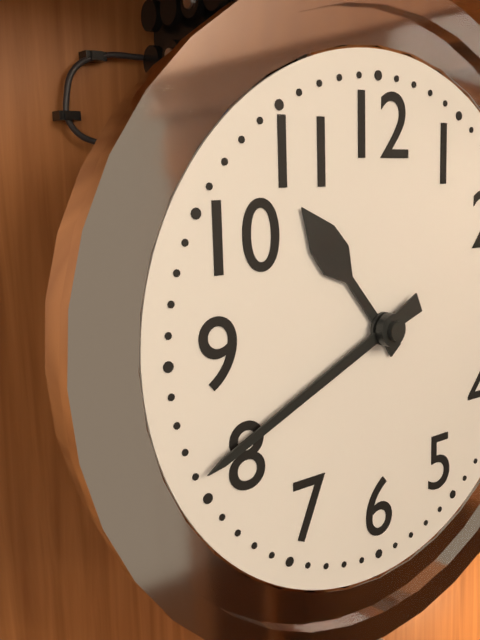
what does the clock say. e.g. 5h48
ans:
10h41
